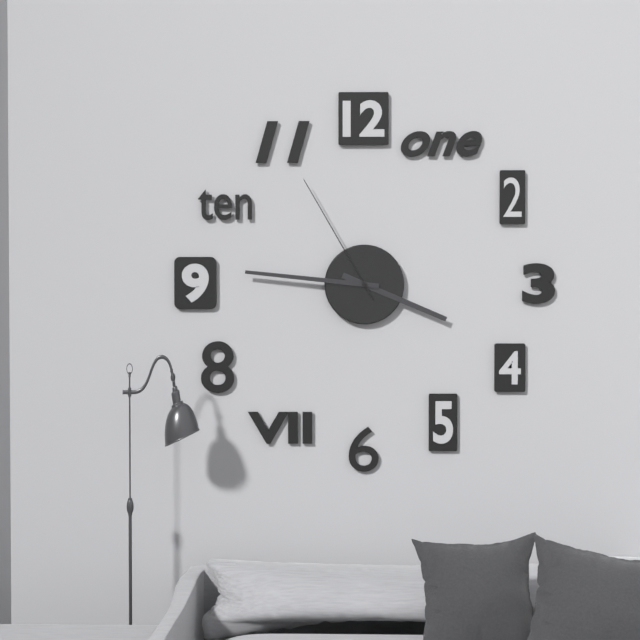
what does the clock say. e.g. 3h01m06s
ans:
3h46m55s
